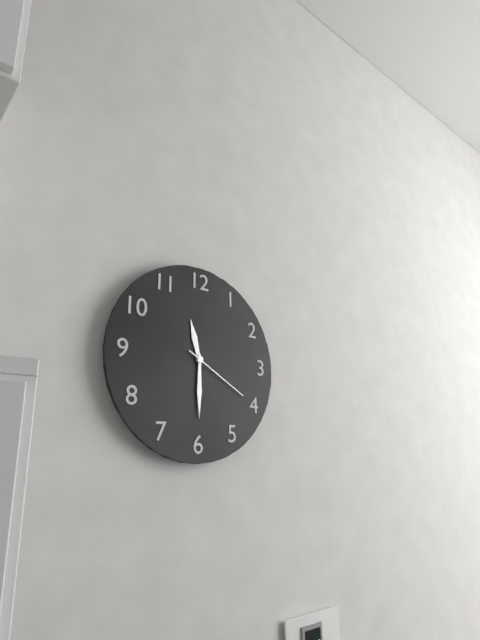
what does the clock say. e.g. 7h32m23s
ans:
11h30m20s
